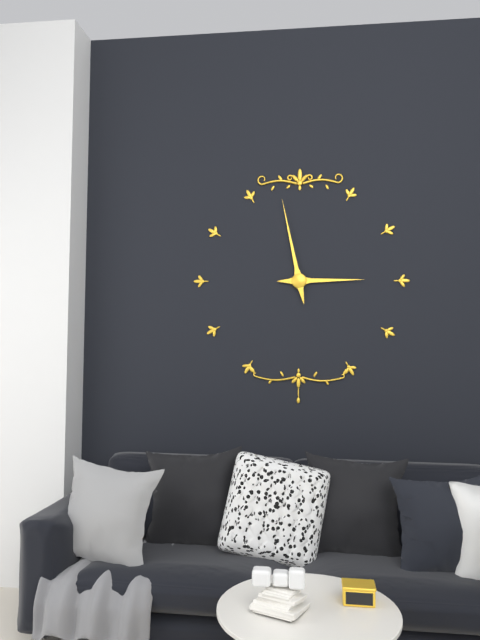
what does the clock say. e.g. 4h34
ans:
2h58
